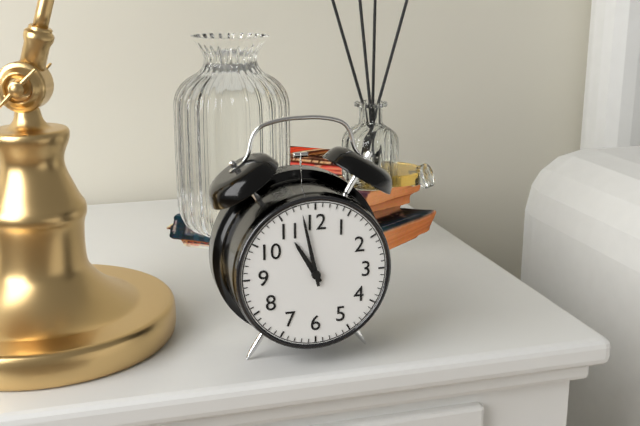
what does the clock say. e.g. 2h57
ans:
10h58
